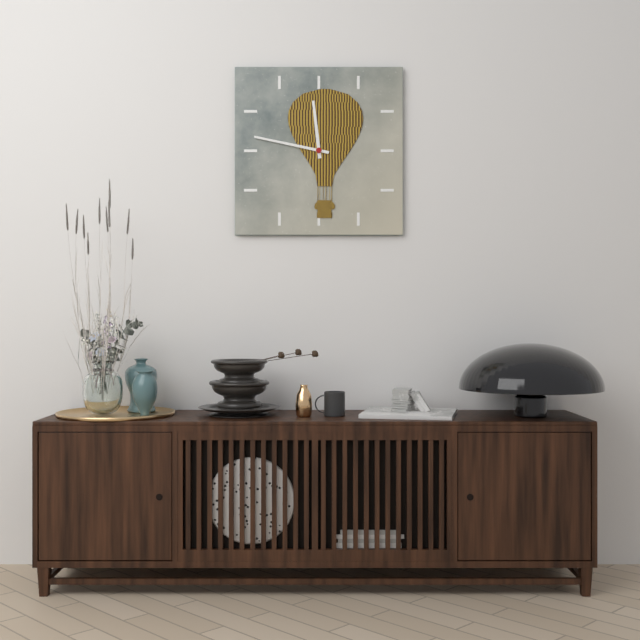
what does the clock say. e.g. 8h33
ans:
11h47
